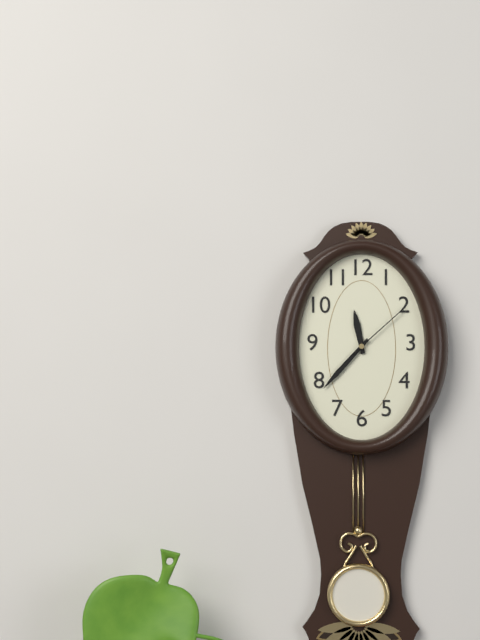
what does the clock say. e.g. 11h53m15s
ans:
11h37m08s
